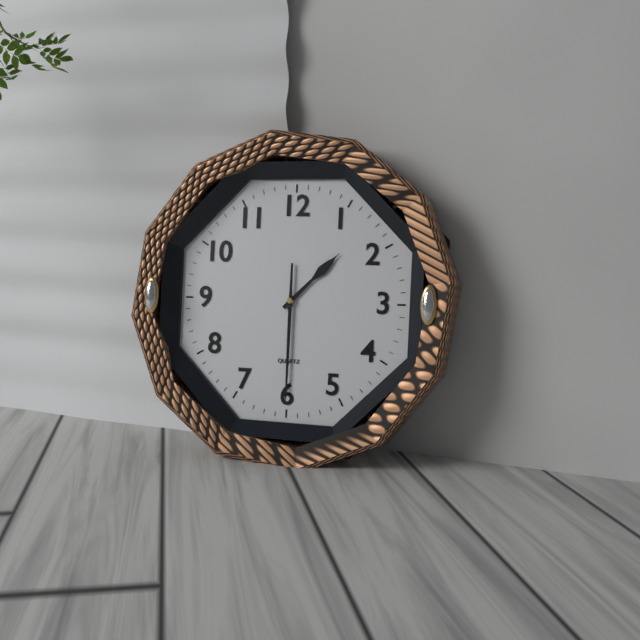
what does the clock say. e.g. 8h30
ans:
1h30
